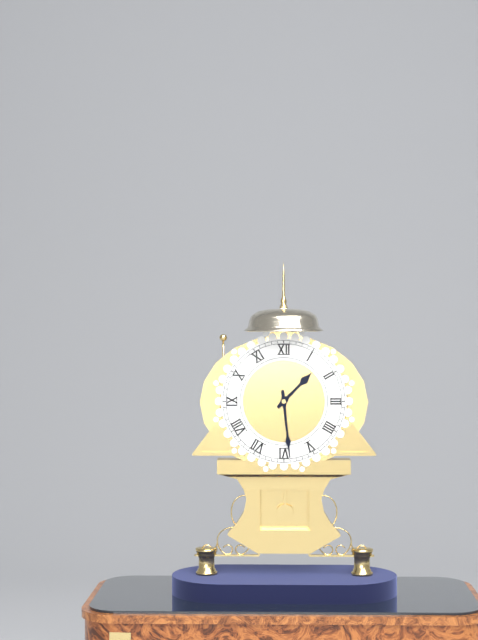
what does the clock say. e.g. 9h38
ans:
1h29
